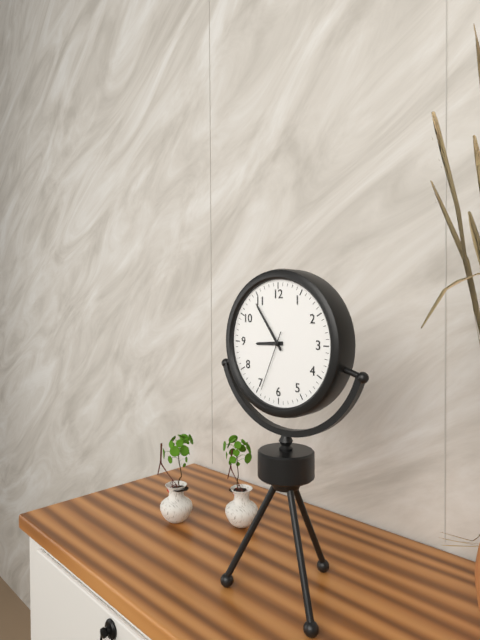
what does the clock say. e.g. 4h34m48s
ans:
8h54m34s
